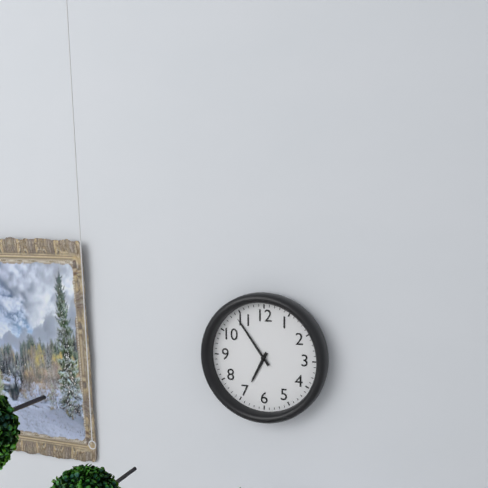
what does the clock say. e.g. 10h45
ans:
6h54
